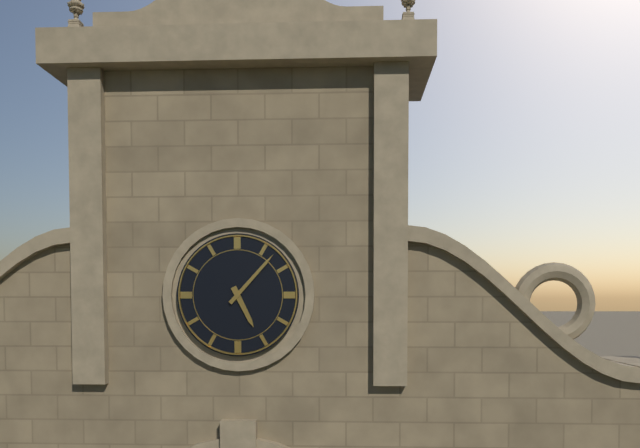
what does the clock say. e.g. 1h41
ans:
5h07
